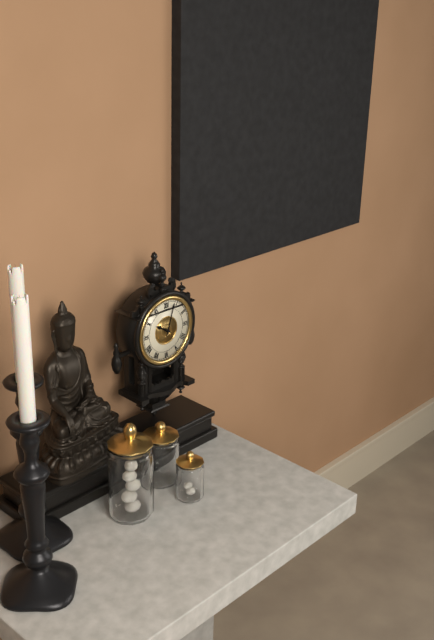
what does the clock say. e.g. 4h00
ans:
10h03
